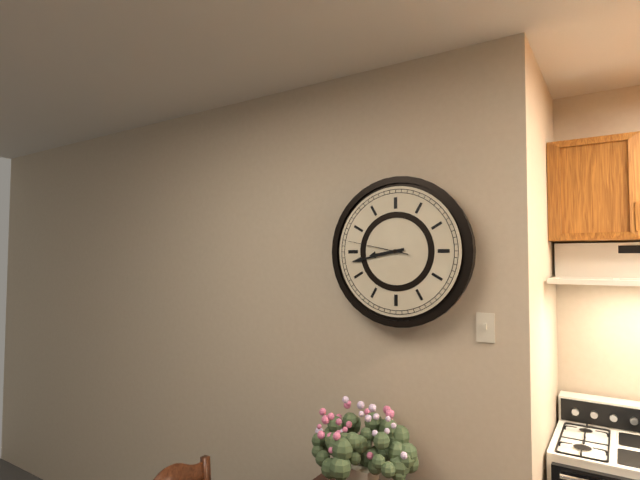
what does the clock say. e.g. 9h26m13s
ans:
8h43m47s
